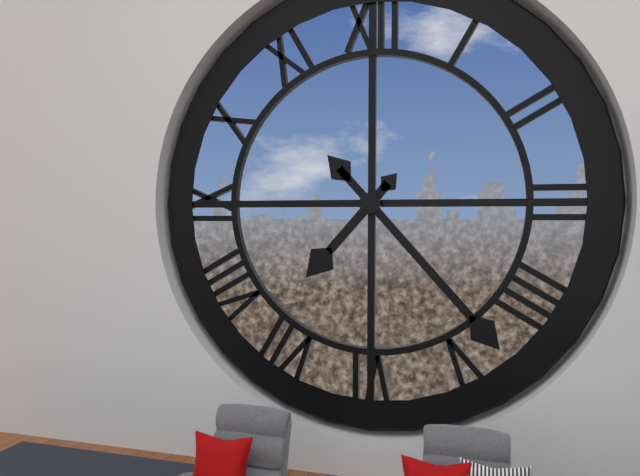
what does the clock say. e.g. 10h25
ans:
7h23
